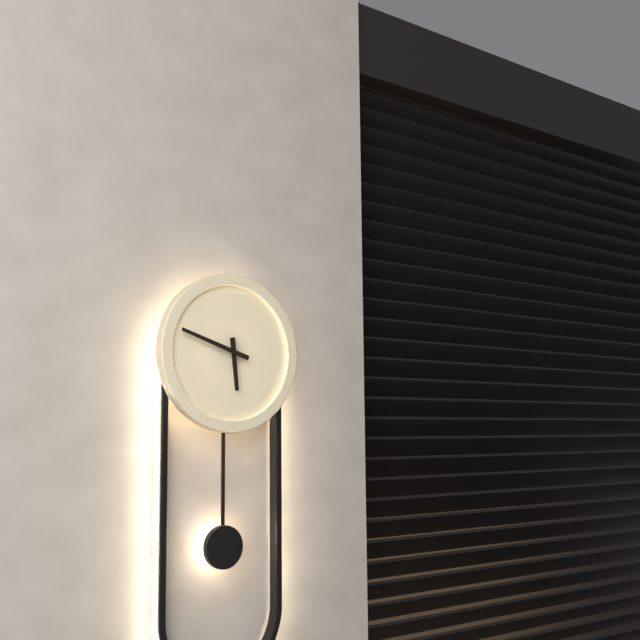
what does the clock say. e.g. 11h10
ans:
5h48
